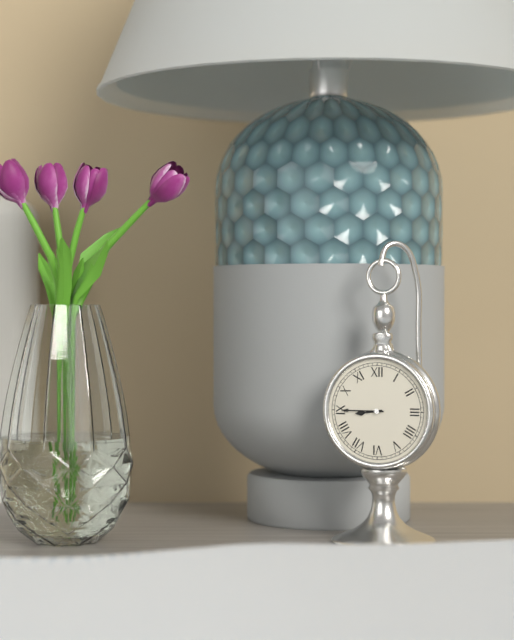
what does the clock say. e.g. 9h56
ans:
8h45
